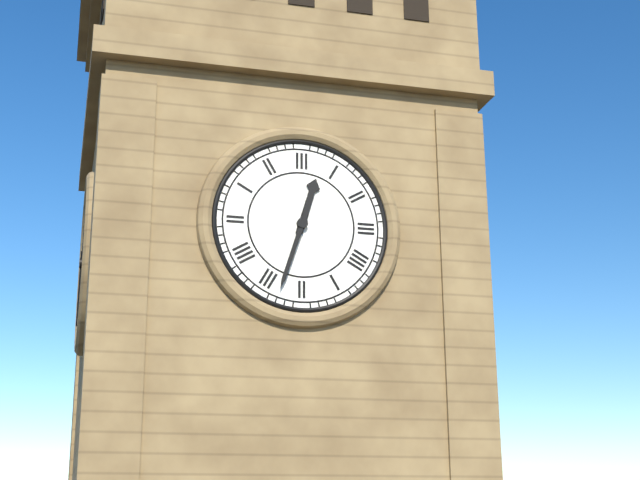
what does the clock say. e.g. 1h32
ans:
12h33
